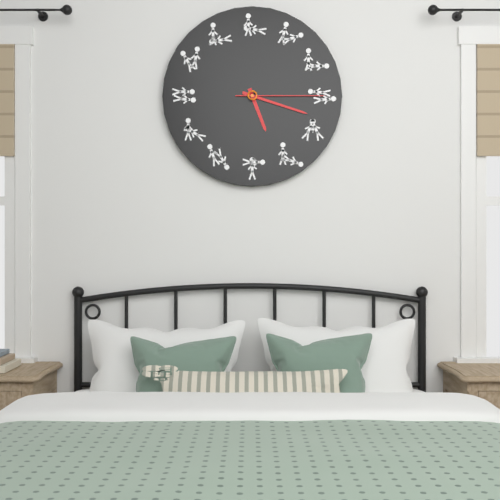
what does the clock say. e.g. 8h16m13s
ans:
5h18m15s
